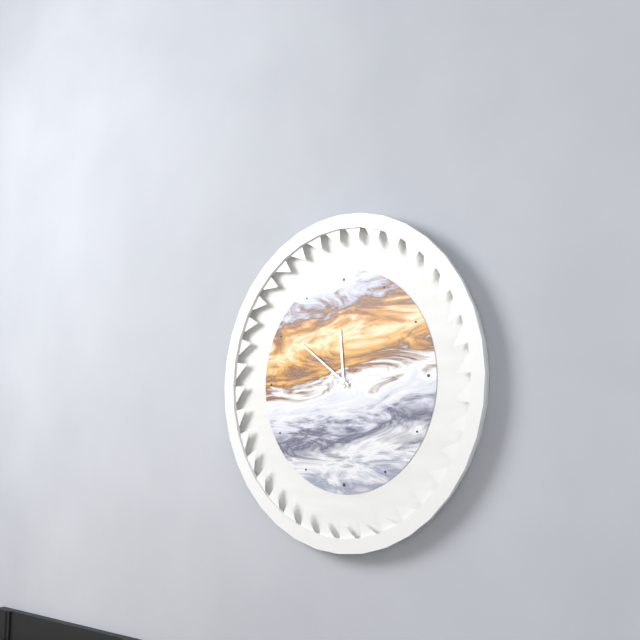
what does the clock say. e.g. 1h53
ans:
11h51
